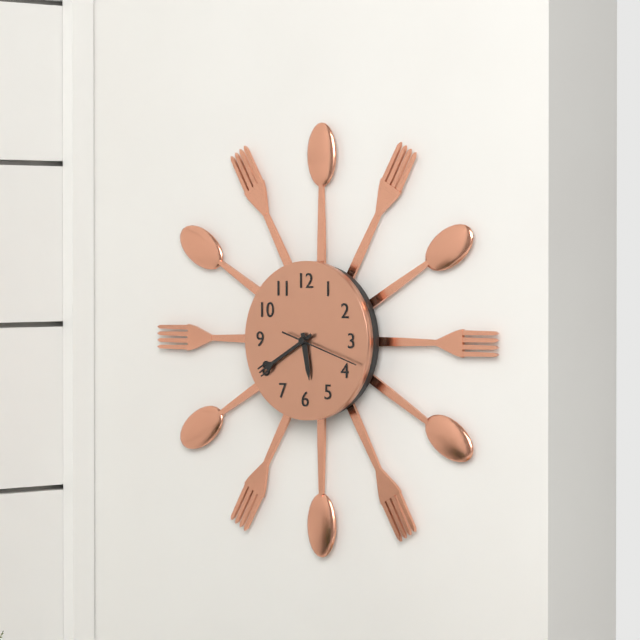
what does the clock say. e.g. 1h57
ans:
5h40
